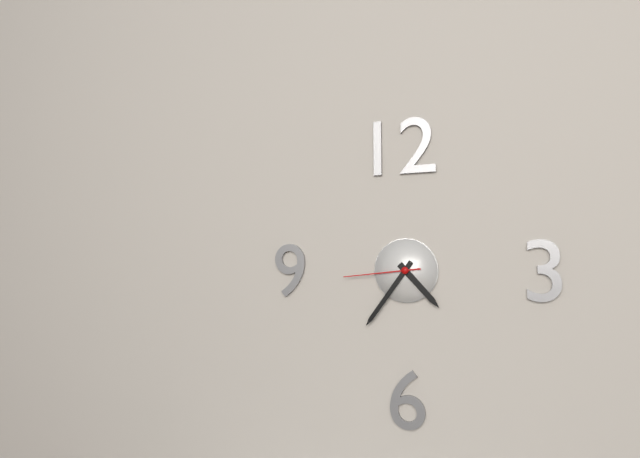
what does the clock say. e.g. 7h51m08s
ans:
4h36m44s
